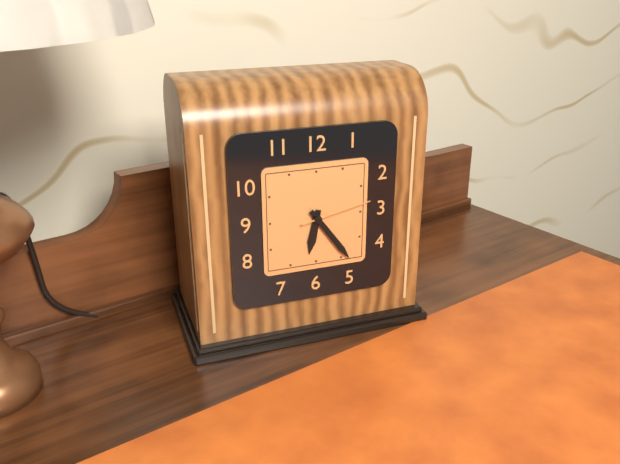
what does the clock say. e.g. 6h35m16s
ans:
6h24m13s
